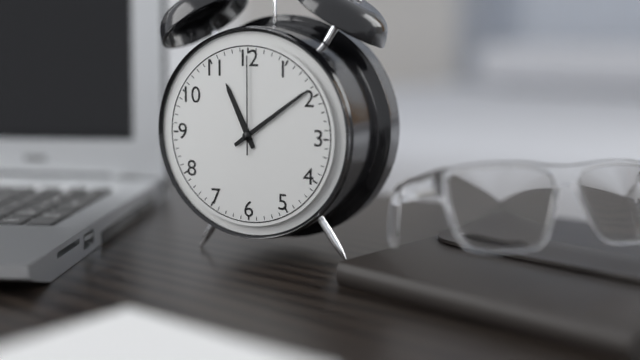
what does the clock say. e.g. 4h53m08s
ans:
11h09m00s
